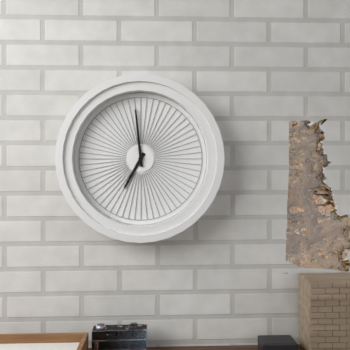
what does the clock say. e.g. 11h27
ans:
6h59
